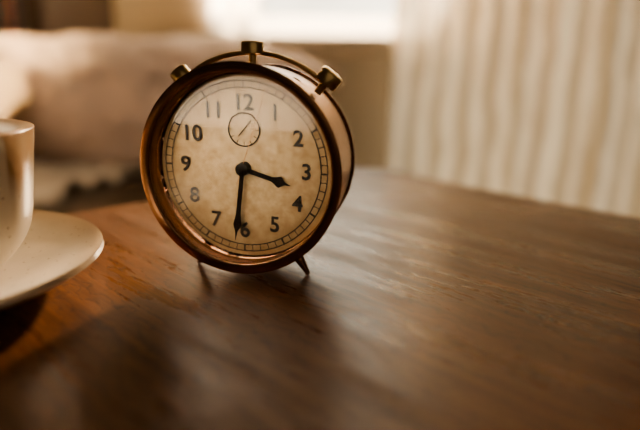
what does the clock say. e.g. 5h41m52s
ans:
3h31m03s
